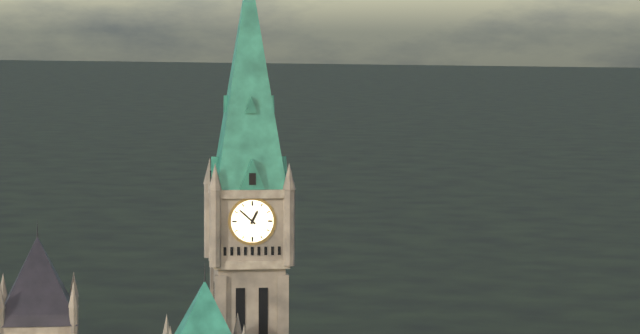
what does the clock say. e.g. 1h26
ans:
12h52
